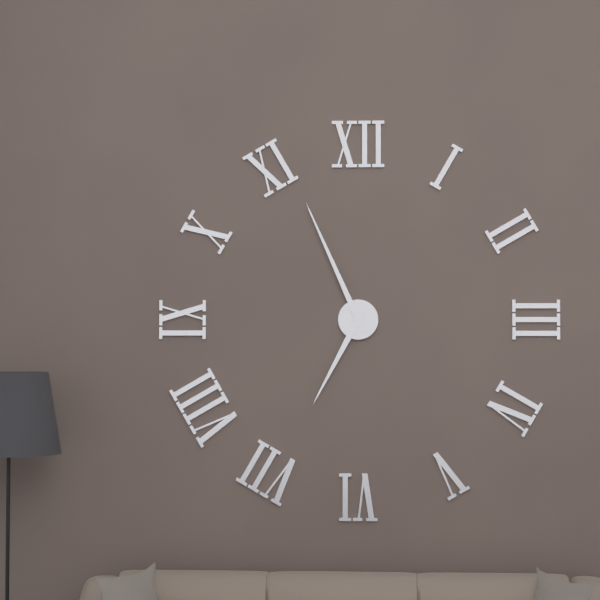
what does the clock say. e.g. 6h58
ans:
6h56
